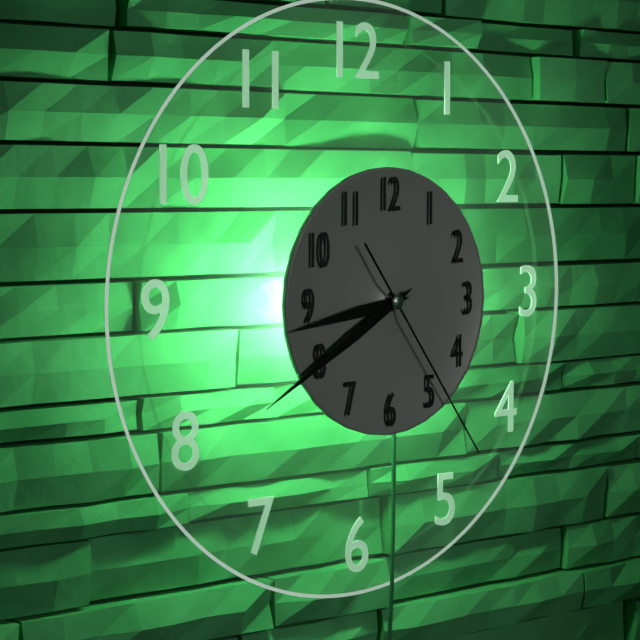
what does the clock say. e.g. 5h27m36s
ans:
8h40m24s
